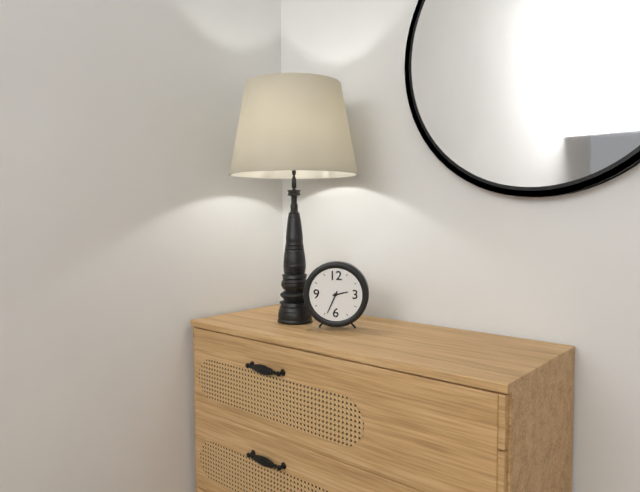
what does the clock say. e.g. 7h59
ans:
2h34
